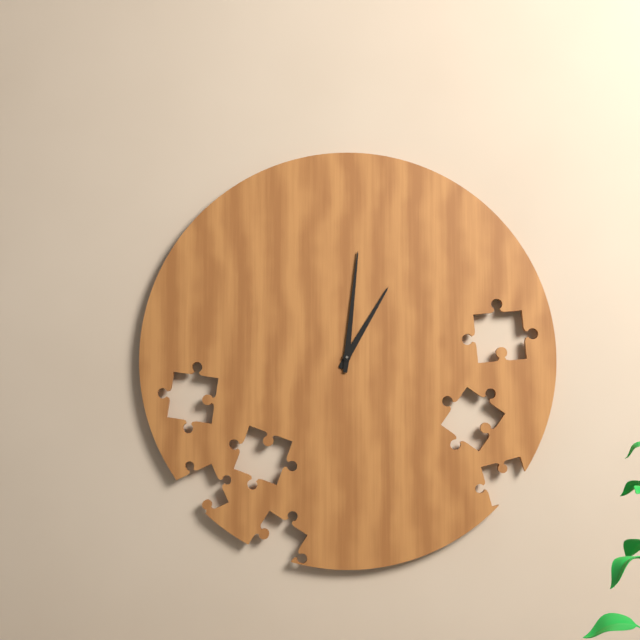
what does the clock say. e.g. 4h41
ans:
1h01
